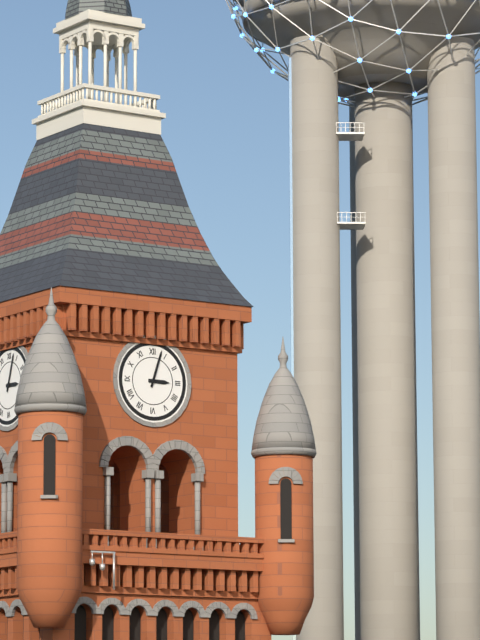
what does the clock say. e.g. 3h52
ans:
3h03
